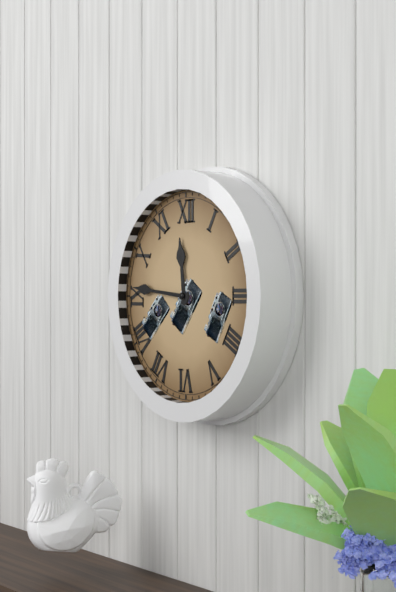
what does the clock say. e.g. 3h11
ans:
11h46
